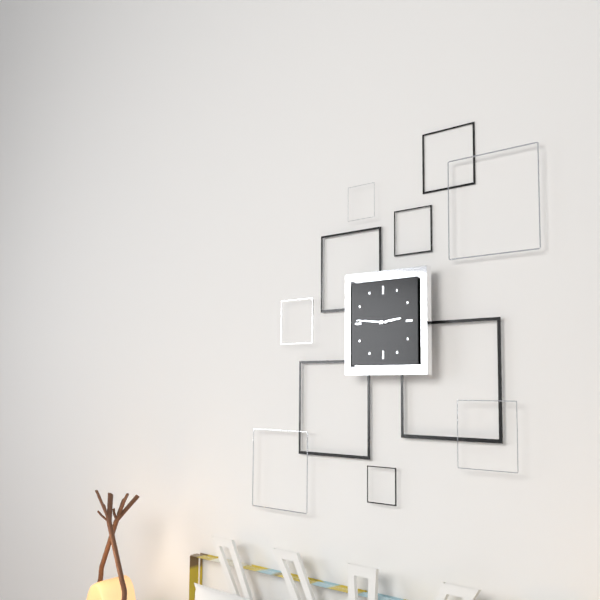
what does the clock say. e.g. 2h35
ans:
2h46
